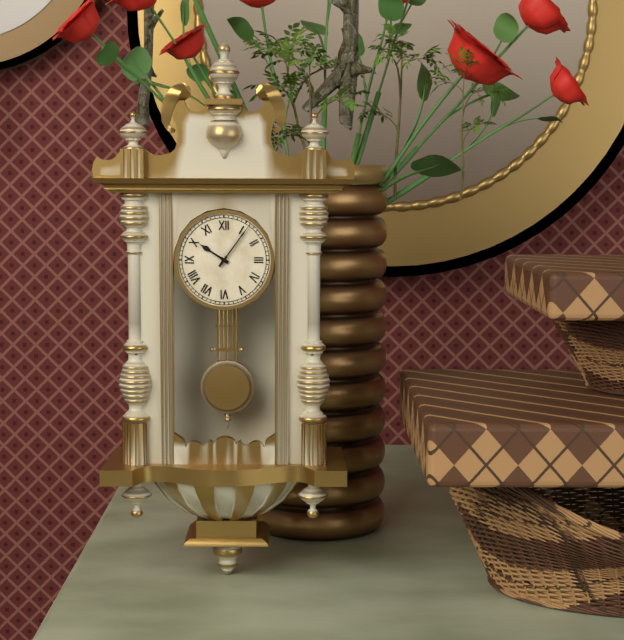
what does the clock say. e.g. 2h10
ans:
10h06
